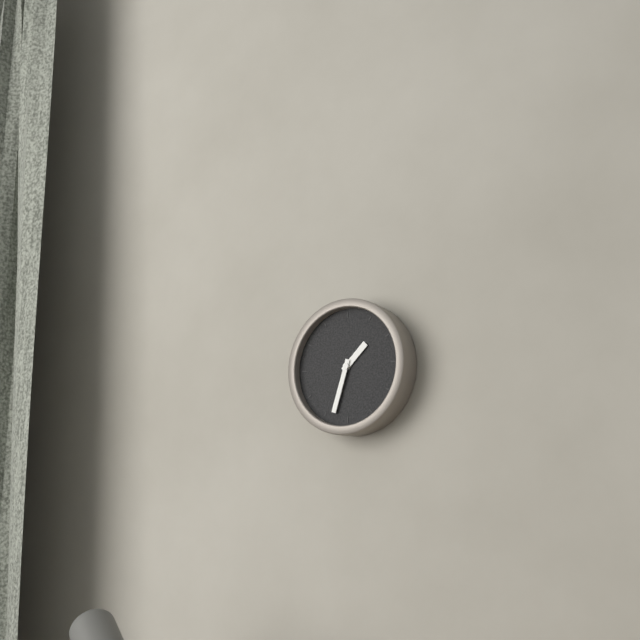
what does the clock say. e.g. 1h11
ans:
1h33
